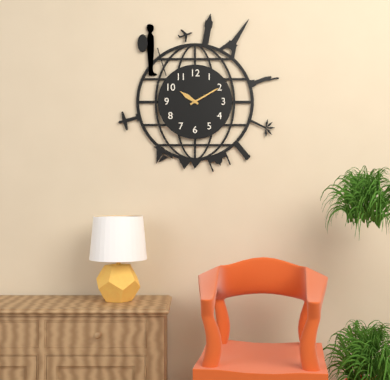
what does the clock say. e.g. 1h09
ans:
10h10
